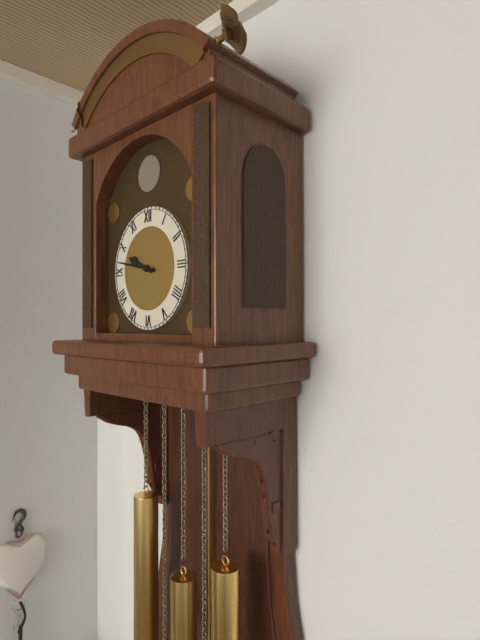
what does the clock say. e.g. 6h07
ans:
9h47
